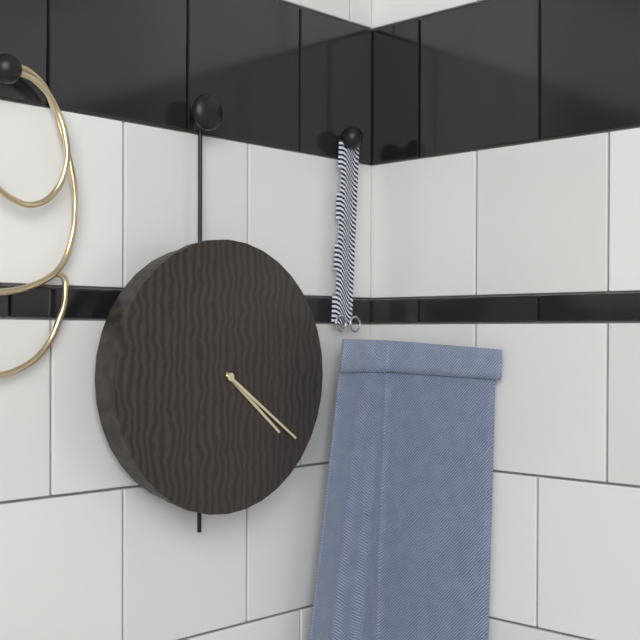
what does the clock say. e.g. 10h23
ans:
4h21
